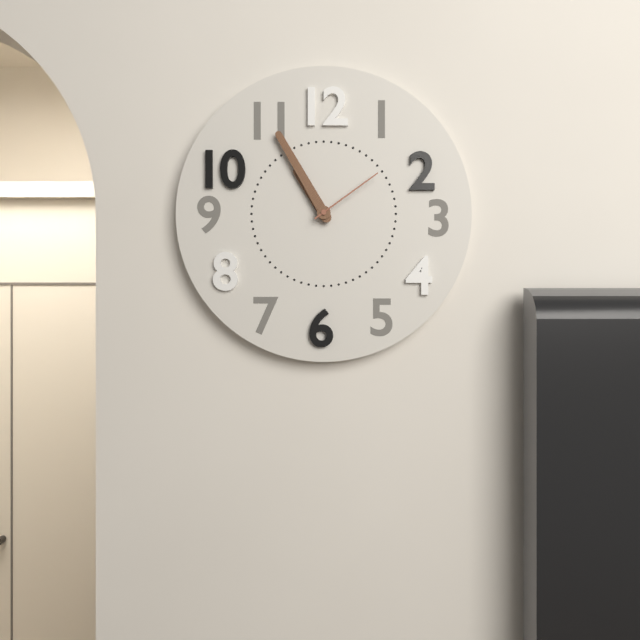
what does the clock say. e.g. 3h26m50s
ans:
10h55m09s
